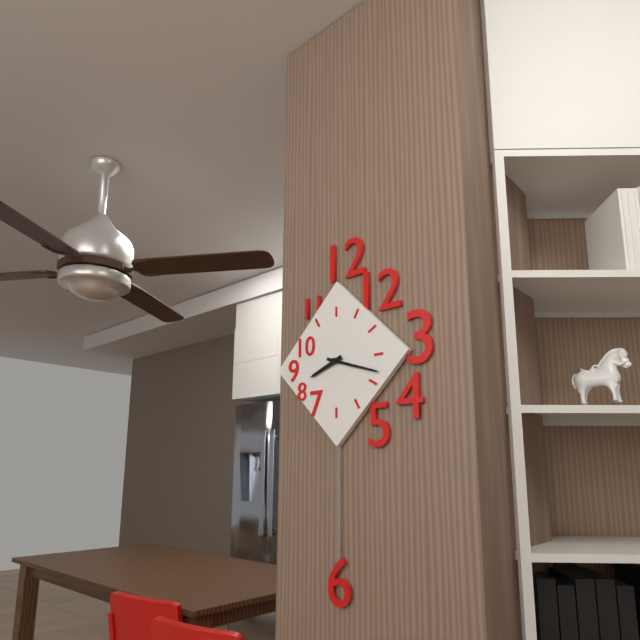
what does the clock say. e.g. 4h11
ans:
8h18
